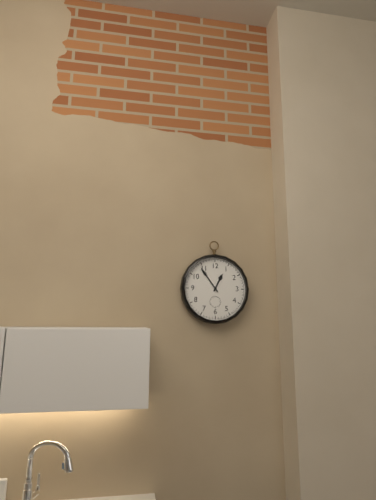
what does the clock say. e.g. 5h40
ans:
12h54
